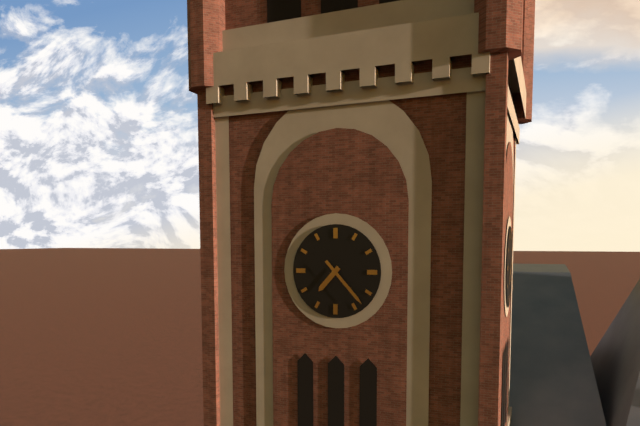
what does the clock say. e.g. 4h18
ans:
7h23
